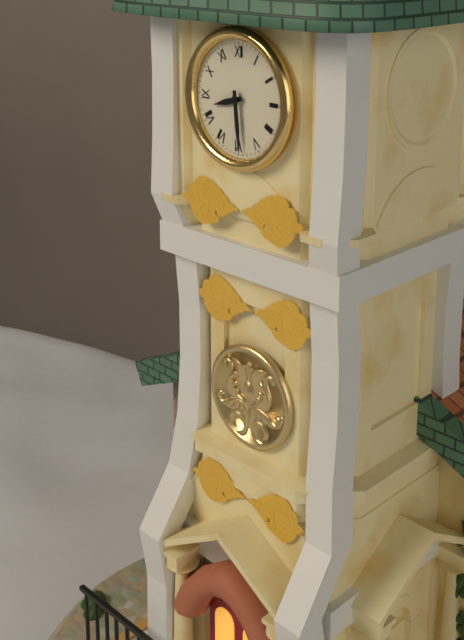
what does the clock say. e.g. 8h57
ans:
8h29
